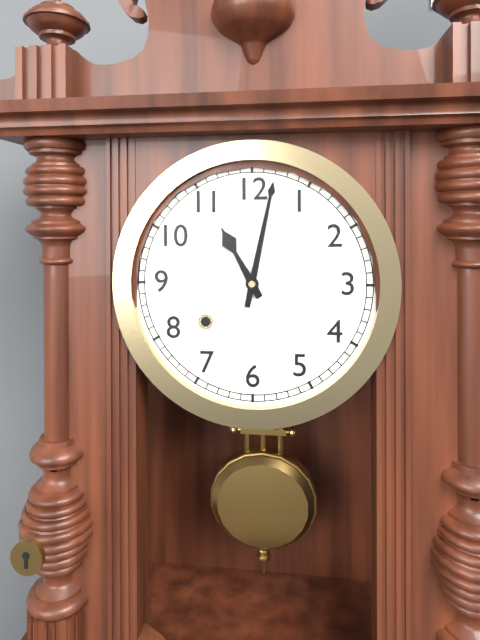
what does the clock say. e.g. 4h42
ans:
11h02
